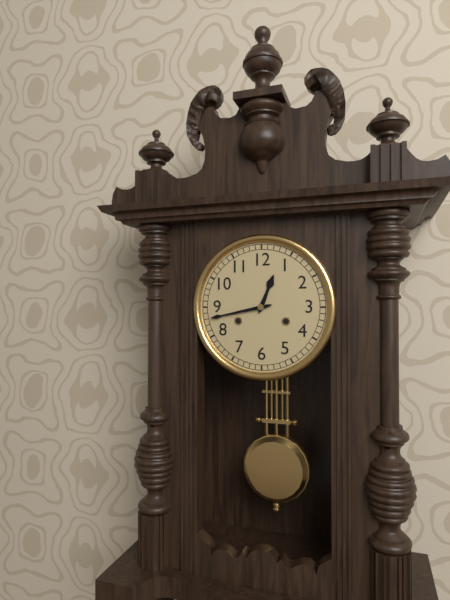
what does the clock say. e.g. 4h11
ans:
12h43
